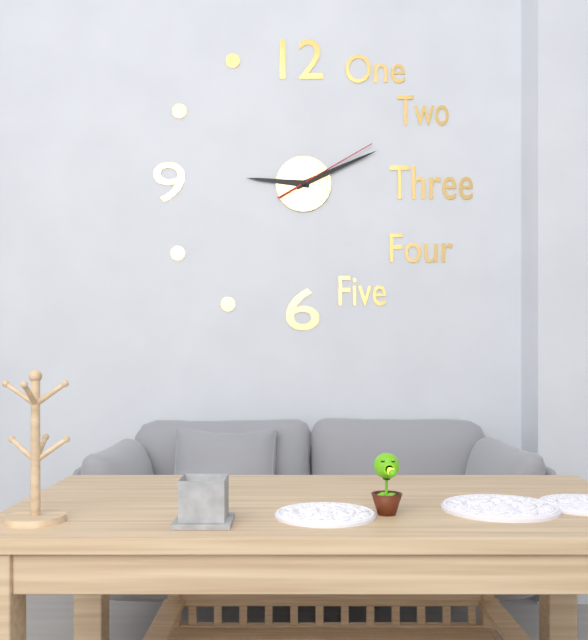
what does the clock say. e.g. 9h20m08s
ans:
9h11m10s
